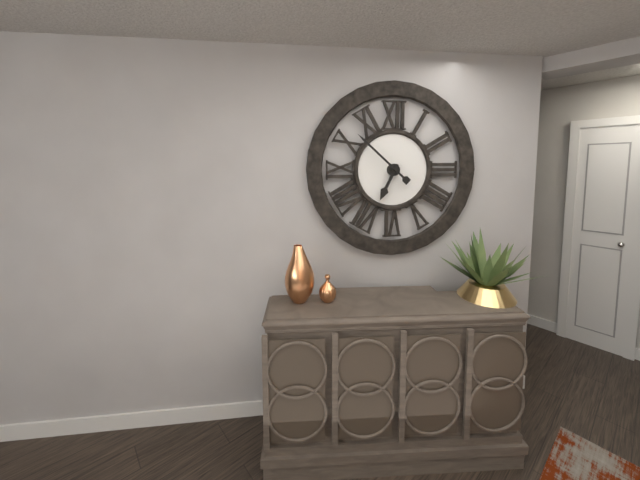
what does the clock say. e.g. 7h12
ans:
6h52
